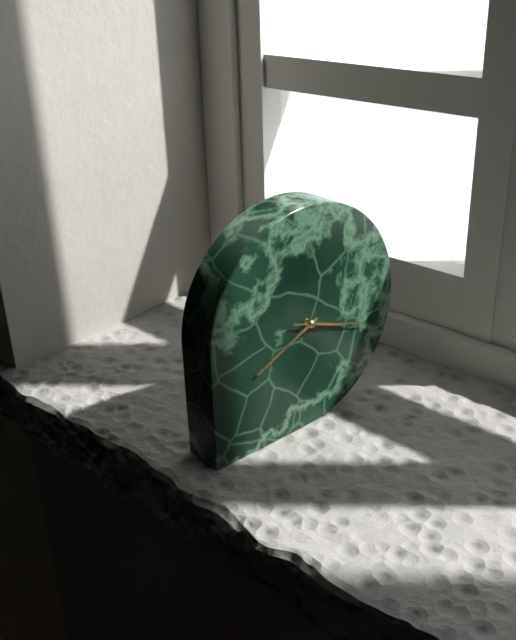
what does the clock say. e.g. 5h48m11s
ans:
3h41m18s
